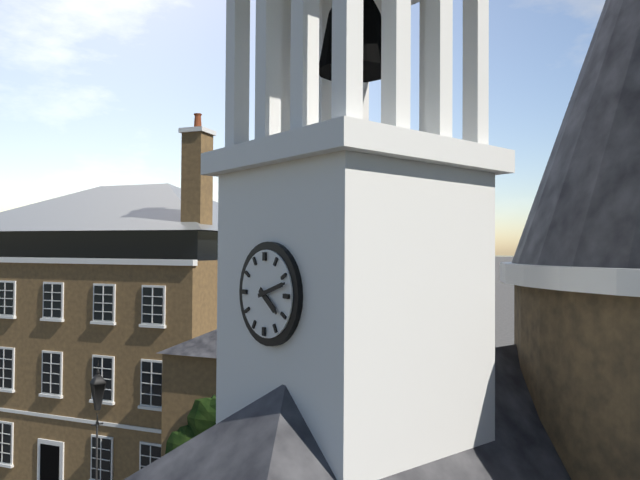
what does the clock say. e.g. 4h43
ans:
4h12
